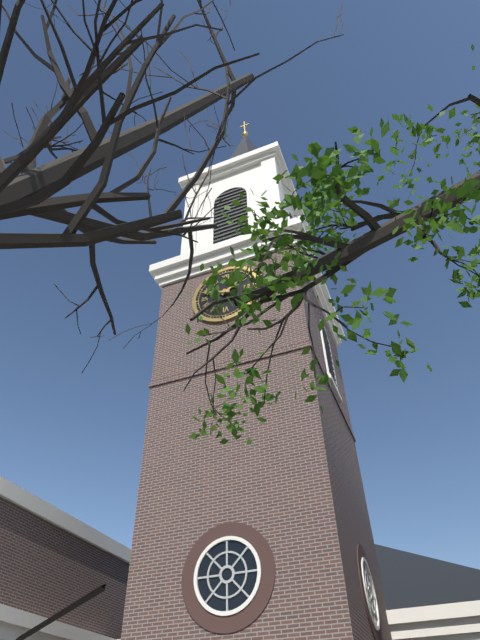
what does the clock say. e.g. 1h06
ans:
1h48
